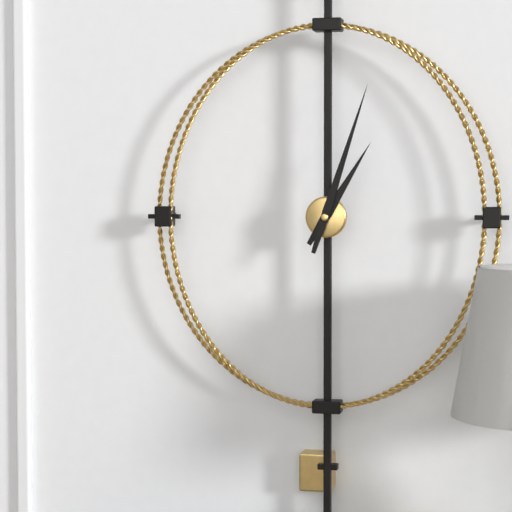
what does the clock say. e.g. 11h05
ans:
1h03
